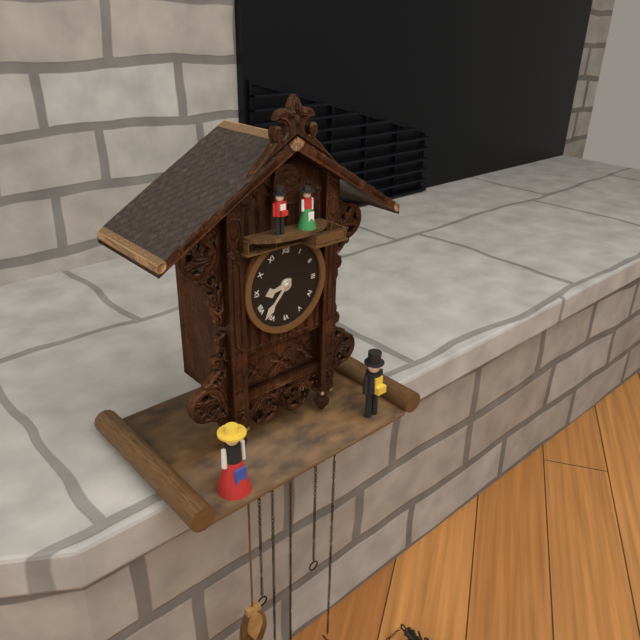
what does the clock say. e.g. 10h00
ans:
8h37
